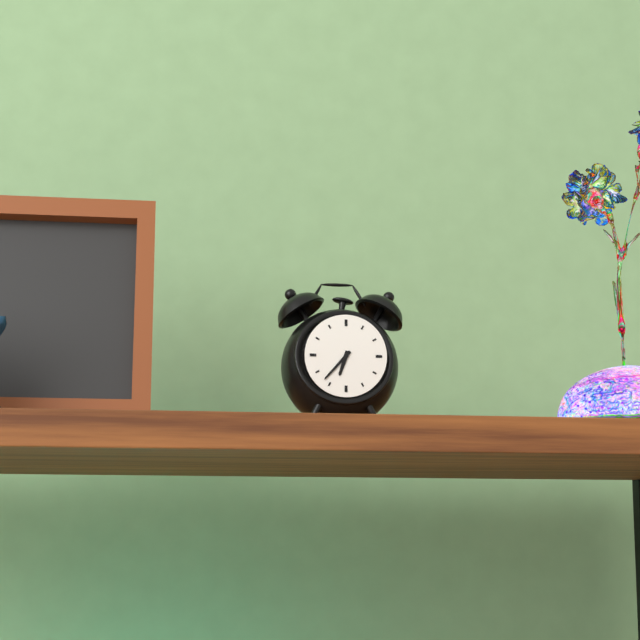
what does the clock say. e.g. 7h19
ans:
6h37
